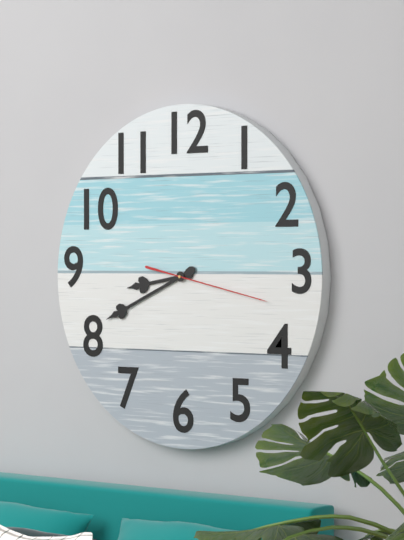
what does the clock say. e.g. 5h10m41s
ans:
8h41m17s
